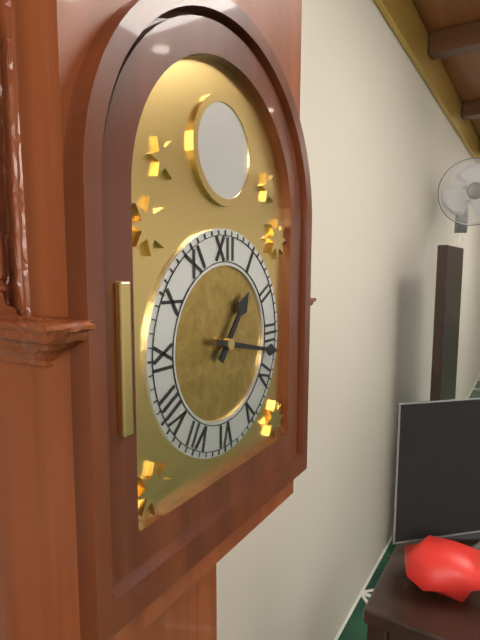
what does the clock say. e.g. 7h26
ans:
1h17
